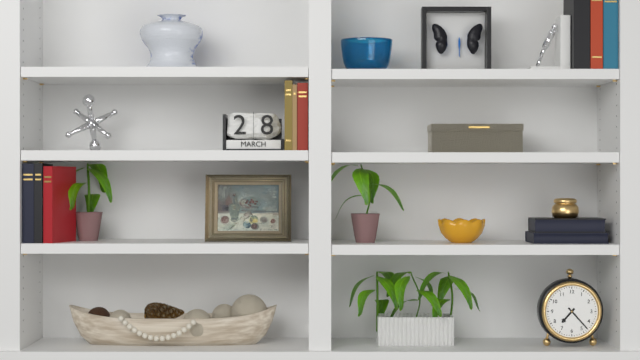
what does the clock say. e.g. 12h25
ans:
7h23
